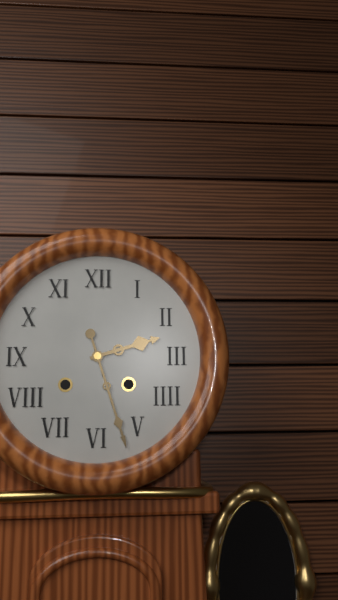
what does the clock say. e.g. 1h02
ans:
2h27
